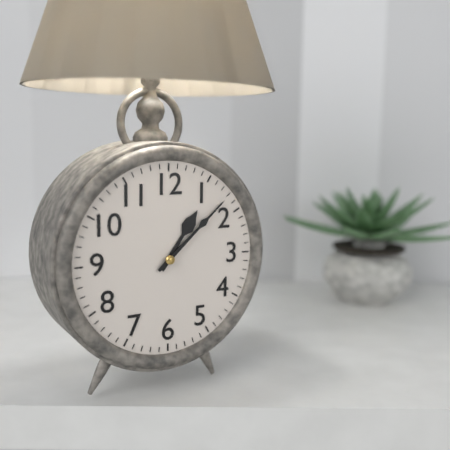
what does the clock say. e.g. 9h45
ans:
1h08
